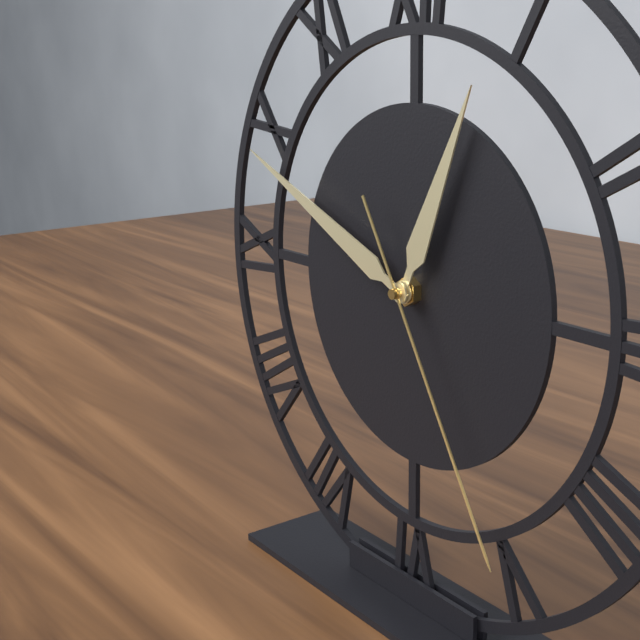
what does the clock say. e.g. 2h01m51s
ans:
12h49m25s
